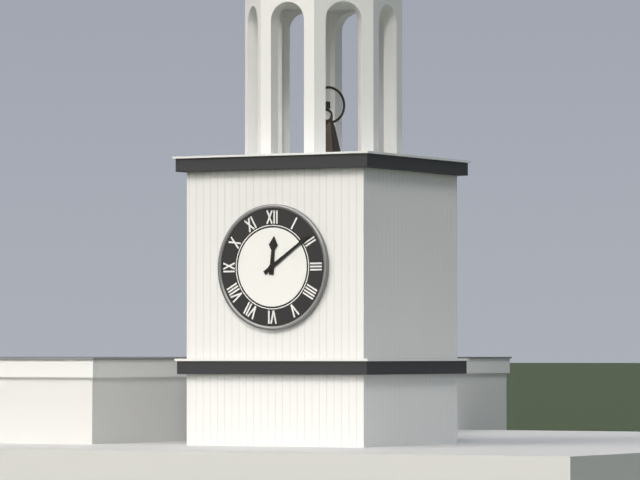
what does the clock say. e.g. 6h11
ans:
12h09
